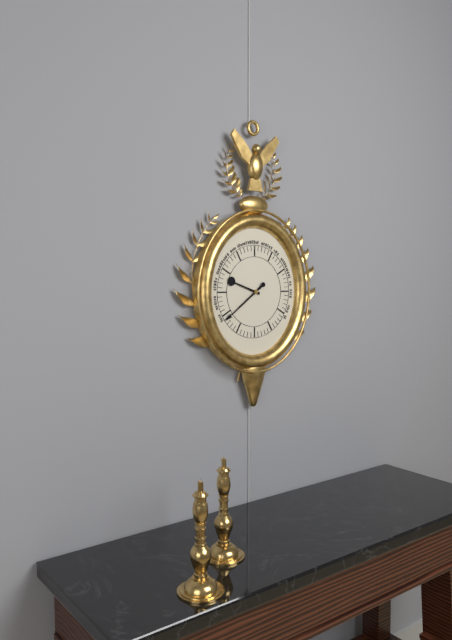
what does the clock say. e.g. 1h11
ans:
9h39
